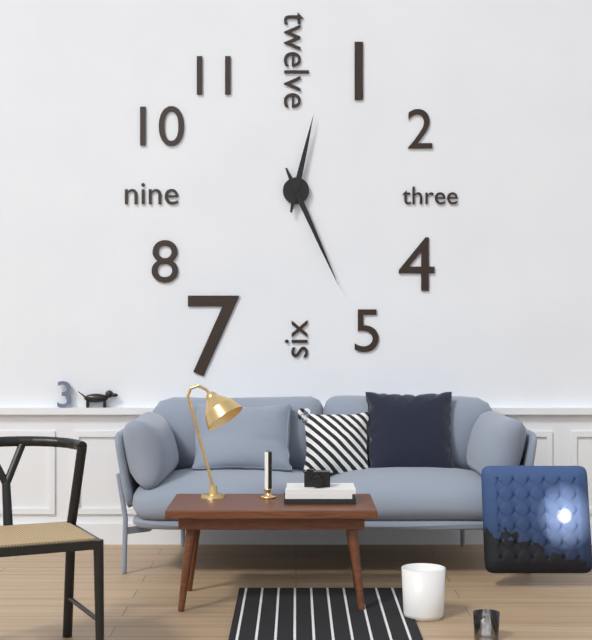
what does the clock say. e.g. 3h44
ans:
12h26
